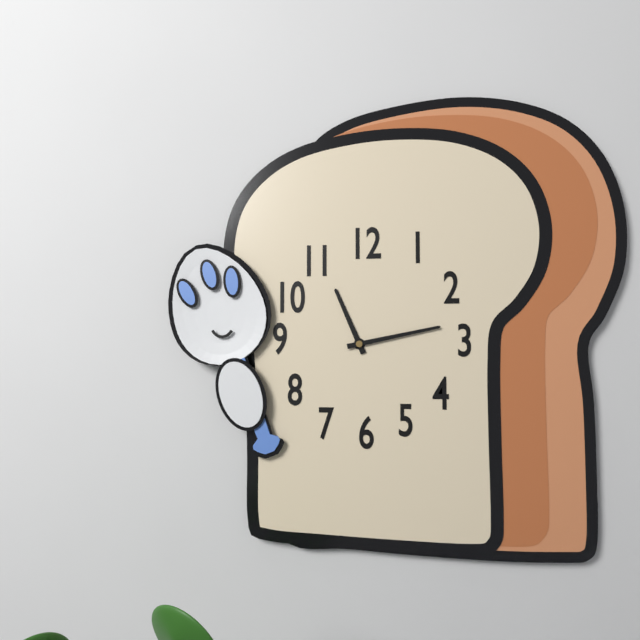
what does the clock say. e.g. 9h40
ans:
11h13
